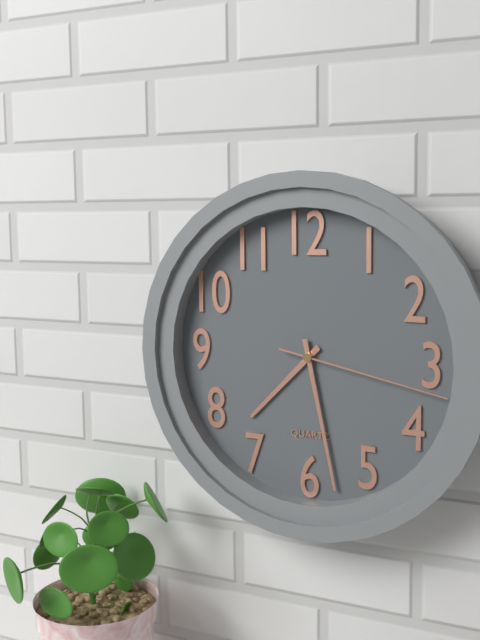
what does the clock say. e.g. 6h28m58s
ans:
7h28m17s
